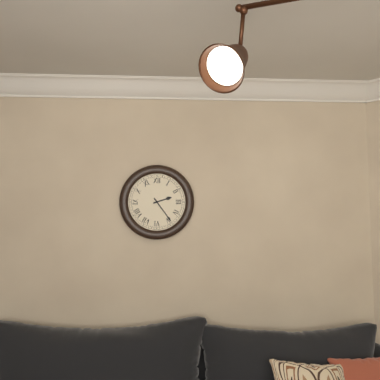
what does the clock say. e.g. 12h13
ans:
2h24
